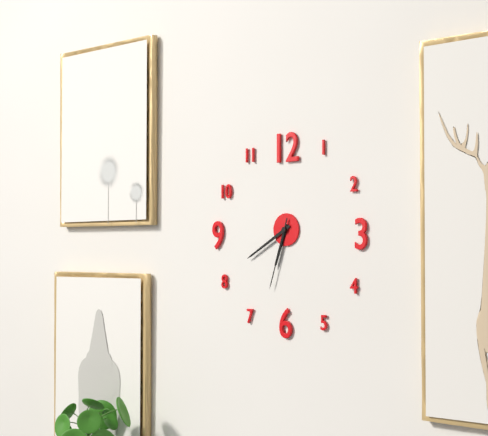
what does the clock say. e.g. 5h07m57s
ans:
6h40m33s
